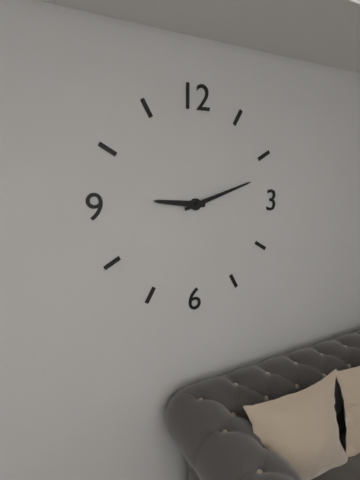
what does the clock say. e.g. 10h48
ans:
9h12
